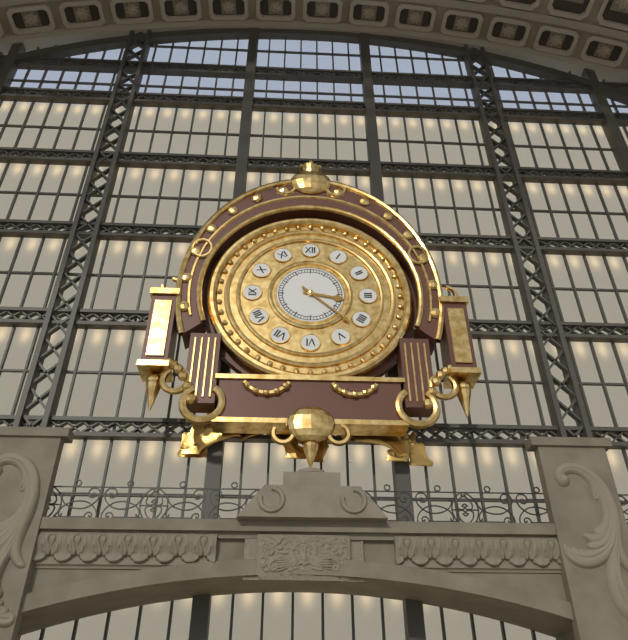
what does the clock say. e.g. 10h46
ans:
3h22
